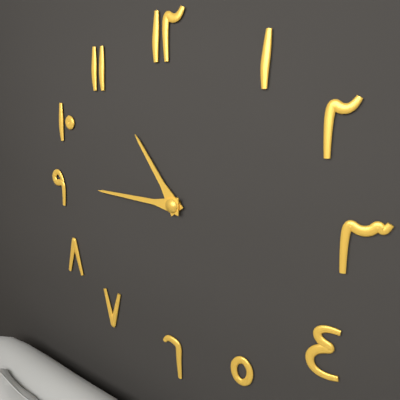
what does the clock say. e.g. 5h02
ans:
10h45
